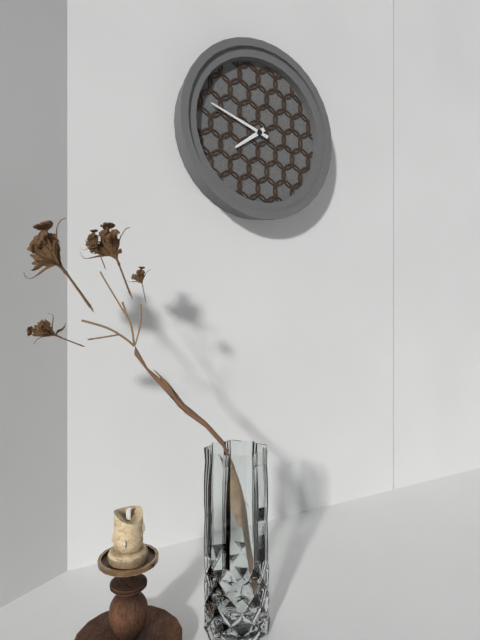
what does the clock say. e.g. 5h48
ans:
7h48
